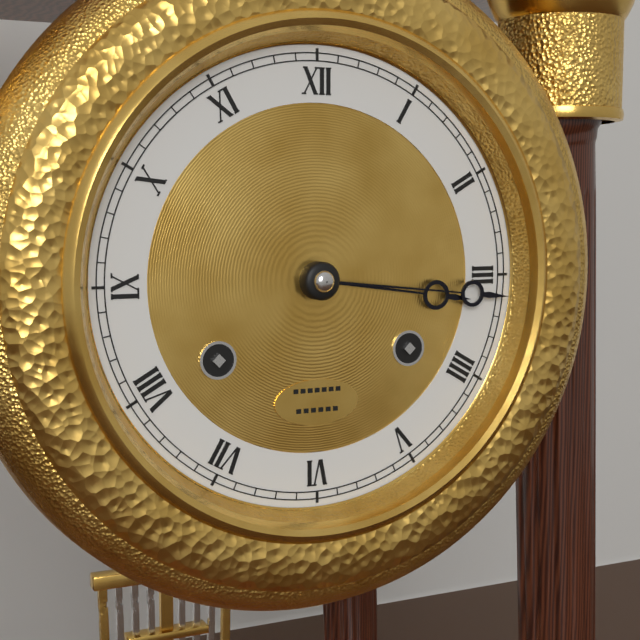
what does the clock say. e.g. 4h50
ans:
3h16
